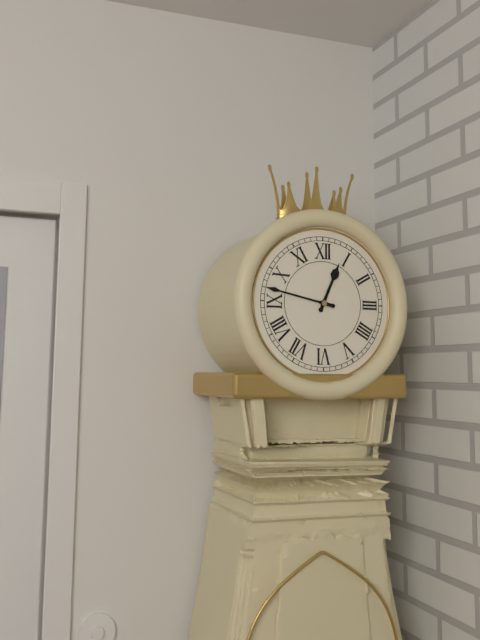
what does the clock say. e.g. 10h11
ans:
12h47
